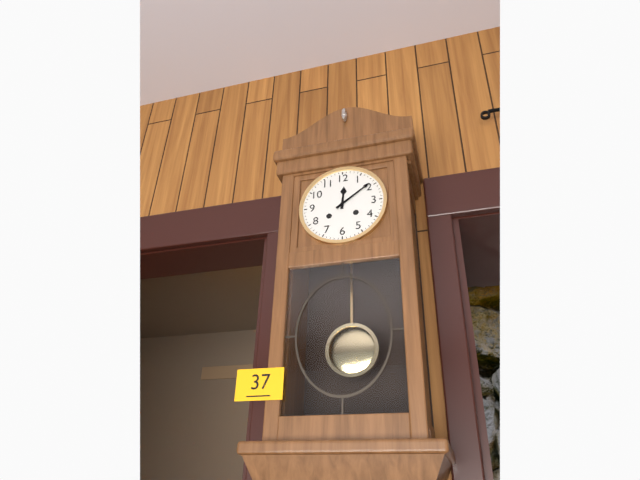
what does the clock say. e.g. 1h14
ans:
12h09
